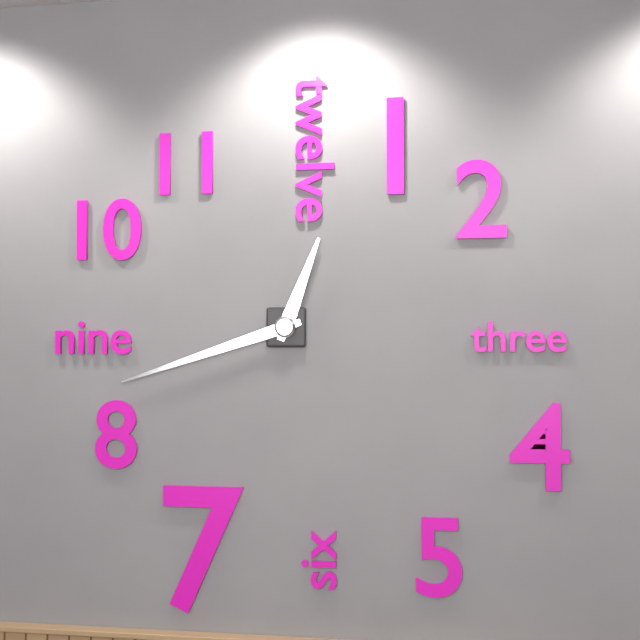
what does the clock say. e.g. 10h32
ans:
12h42
